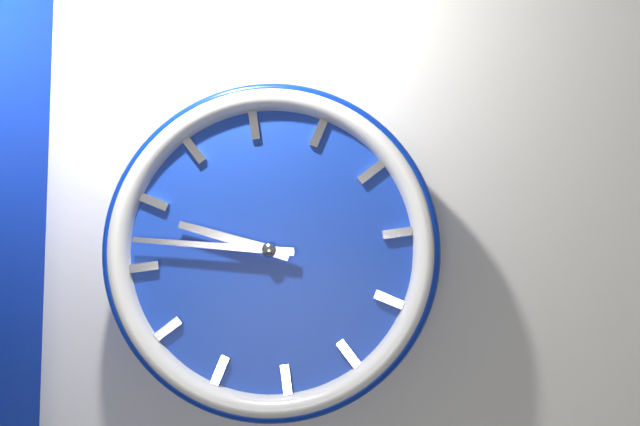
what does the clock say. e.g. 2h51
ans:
9h47
